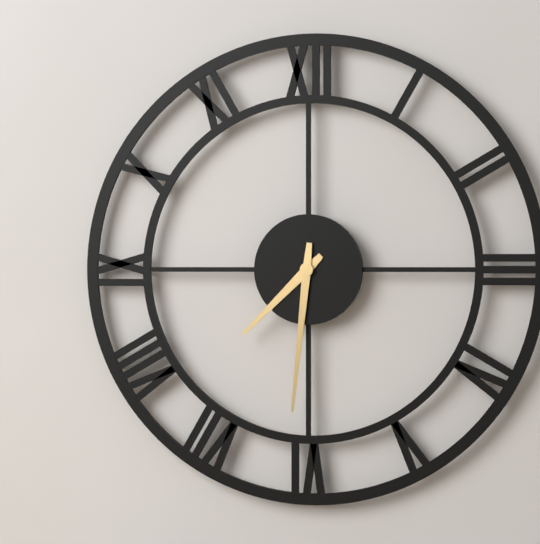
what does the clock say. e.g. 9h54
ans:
7h31
